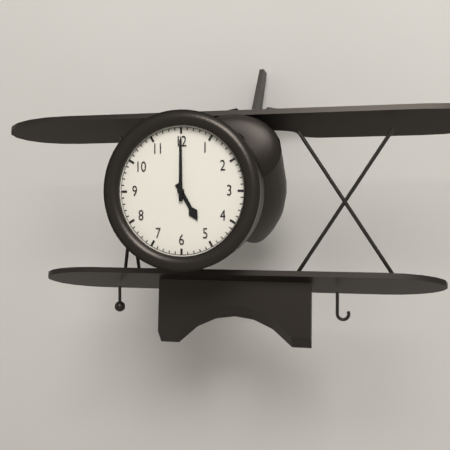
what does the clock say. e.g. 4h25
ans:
5h00
